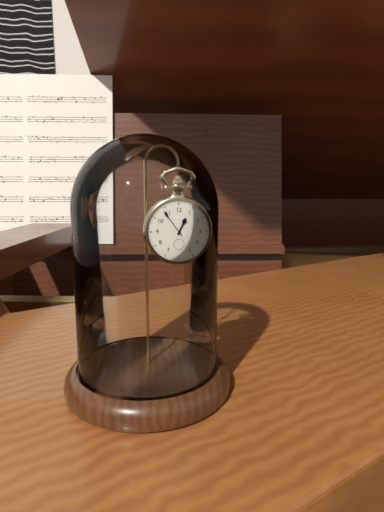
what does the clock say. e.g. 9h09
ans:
12h54
